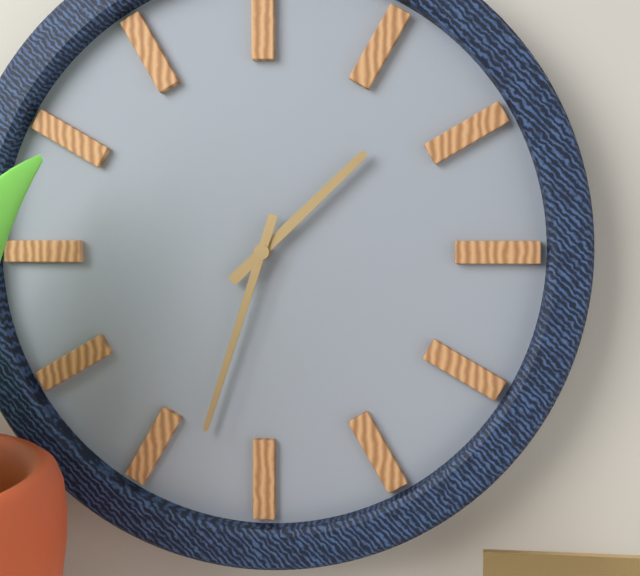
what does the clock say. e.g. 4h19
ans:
1h33
